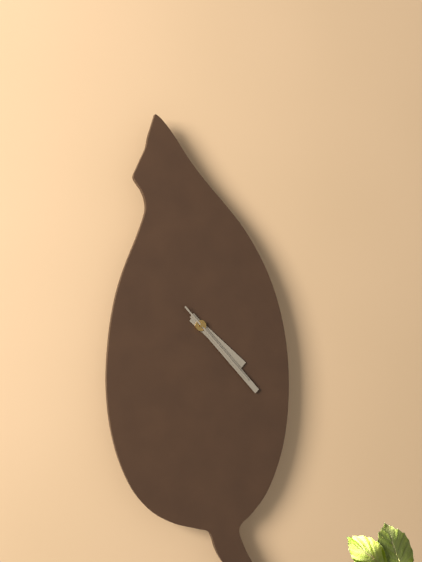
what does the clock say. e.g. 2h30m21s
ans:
4h23m23s
